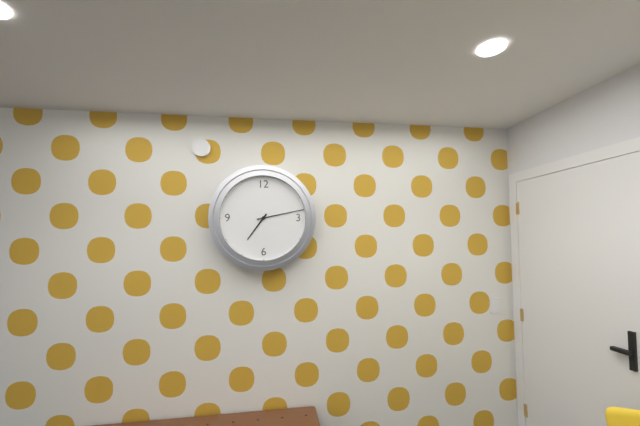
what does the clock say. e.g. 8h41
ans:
7h13
